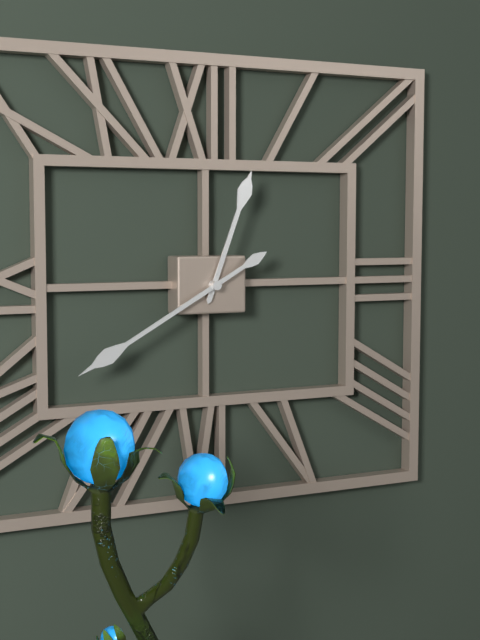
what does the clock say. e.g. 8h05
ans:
12h40
